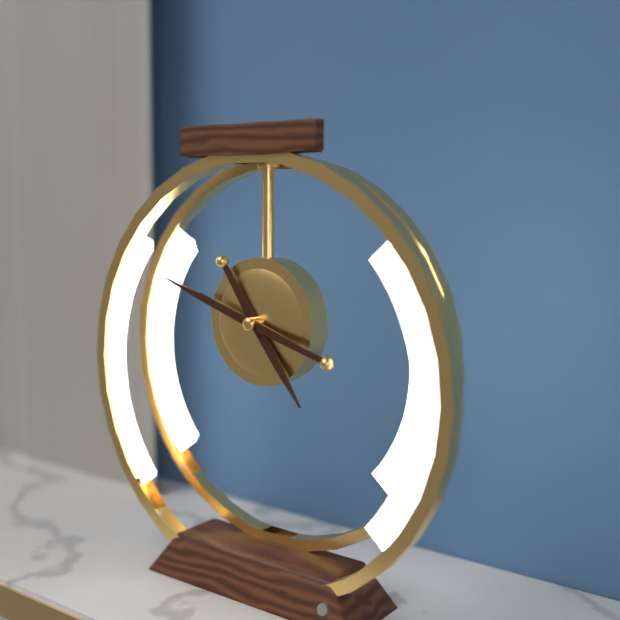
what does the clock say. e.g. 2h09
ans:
4h48
